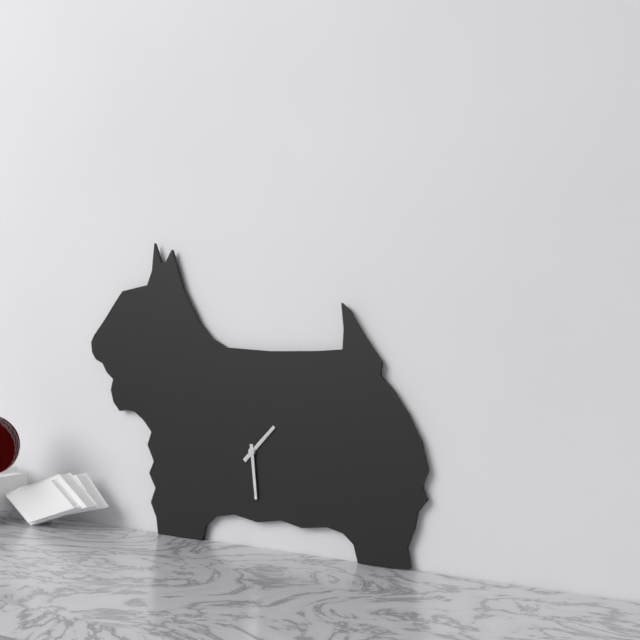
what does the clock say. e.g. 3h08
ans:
1h29
